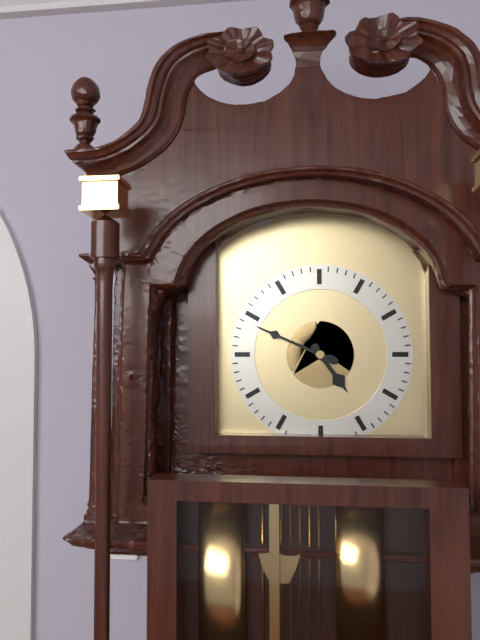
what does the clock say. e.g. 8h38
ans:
4h49
